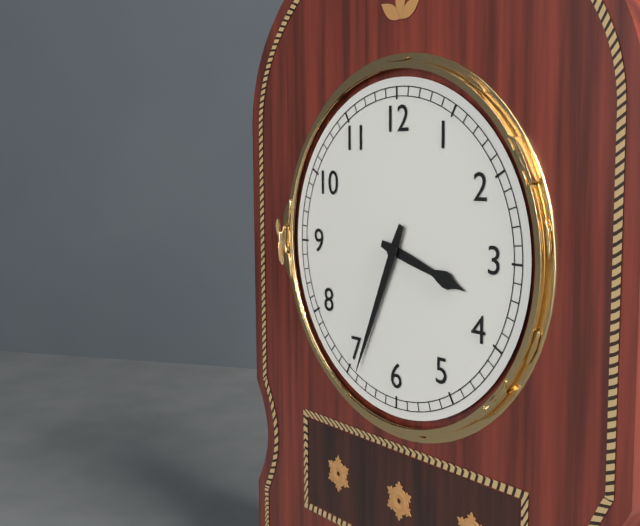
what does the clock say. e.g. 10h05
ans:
3h34
